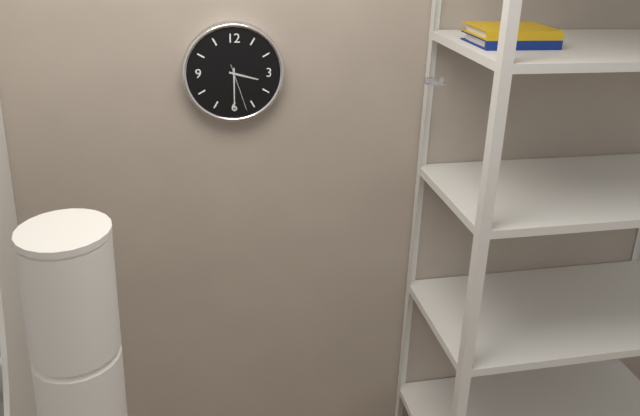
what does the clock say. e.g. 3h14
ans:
3h30
